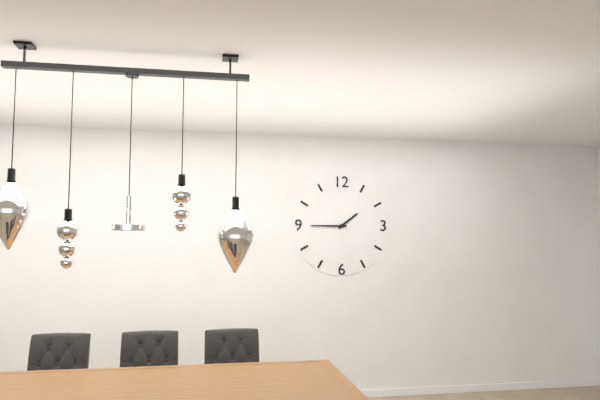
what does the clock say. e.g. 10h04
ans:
1h45
